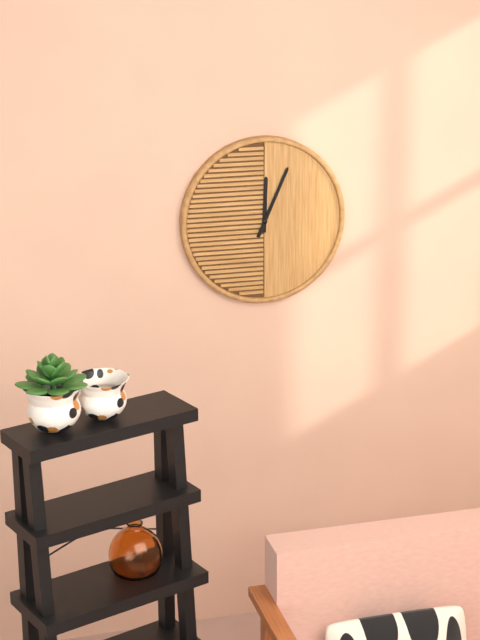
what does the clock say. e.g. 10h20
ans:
12h04
